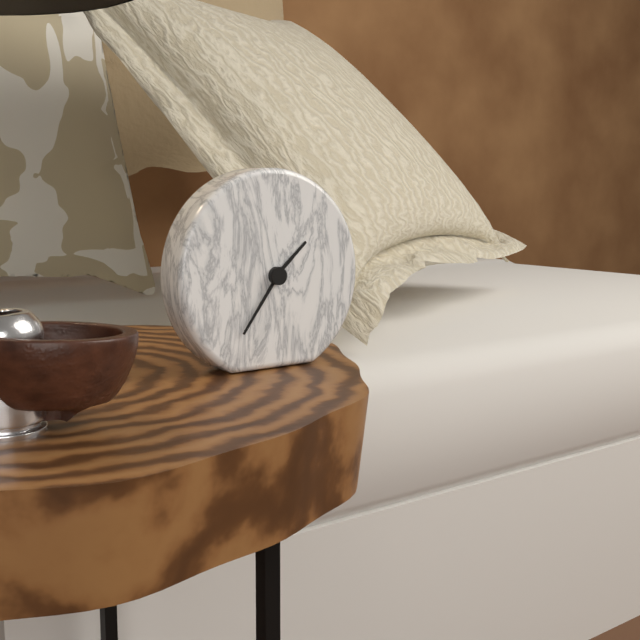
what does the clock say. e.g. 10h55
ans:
1h36
